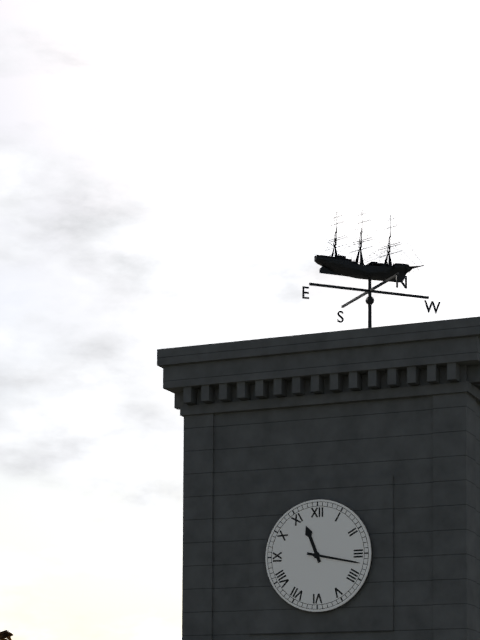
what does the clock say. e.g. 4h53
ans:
11h17
